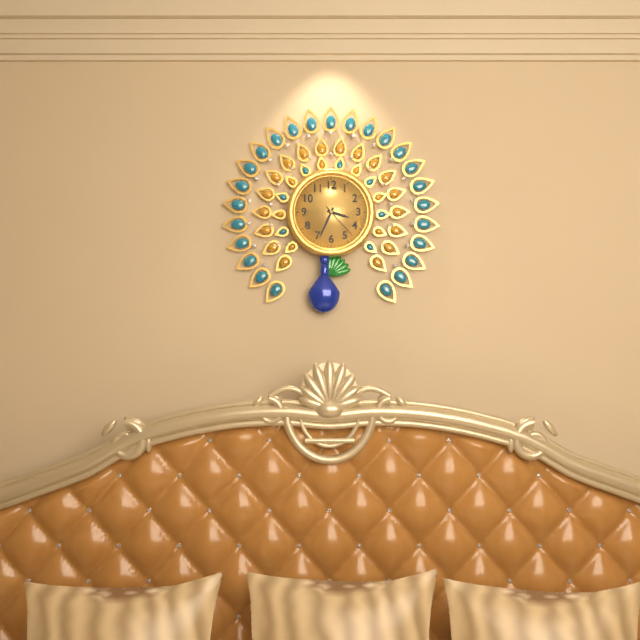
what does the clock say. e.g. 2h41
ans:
3h34
